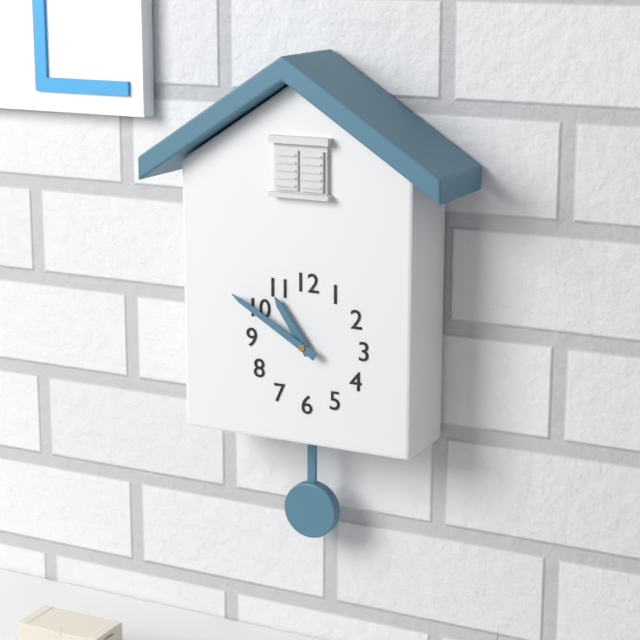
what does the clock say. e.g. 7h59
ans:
10h50
